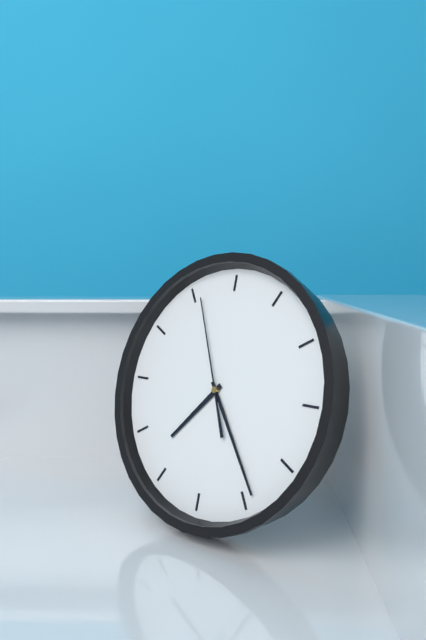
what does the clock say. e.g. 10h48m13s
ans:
7h24m56s
